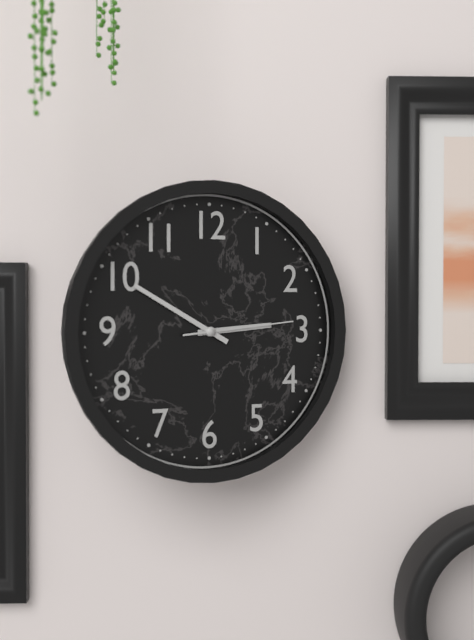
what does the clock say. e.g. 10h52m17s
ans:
2h50m14s
